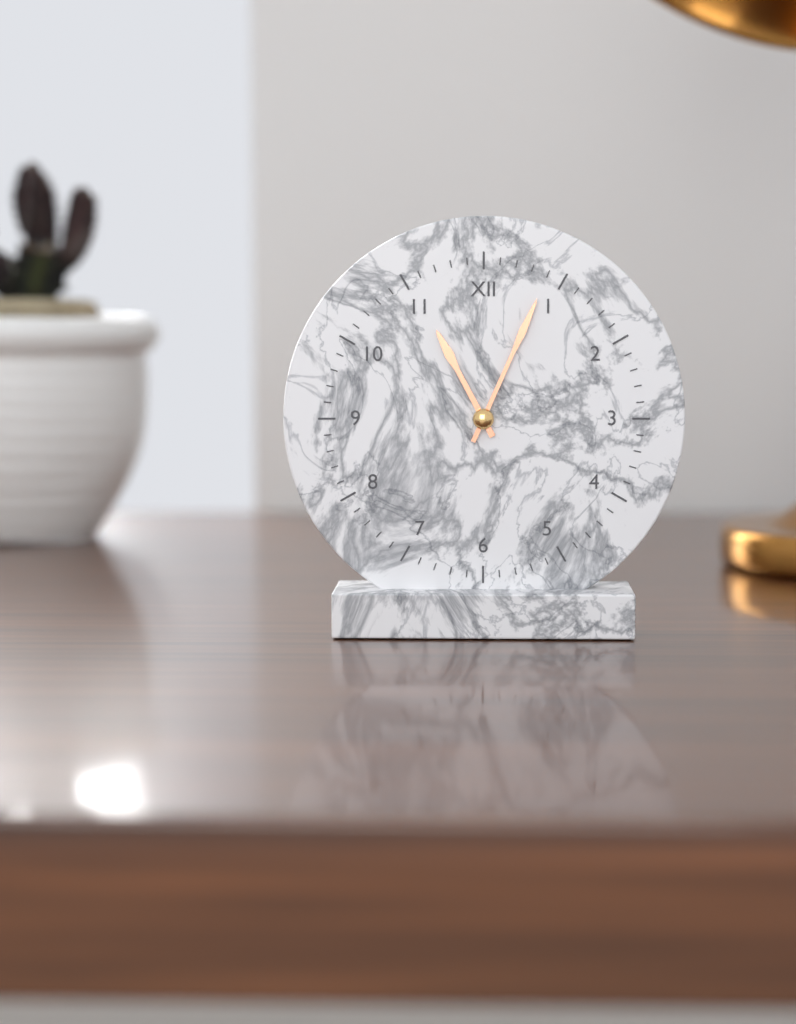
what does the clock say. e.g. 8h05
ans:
11h04
